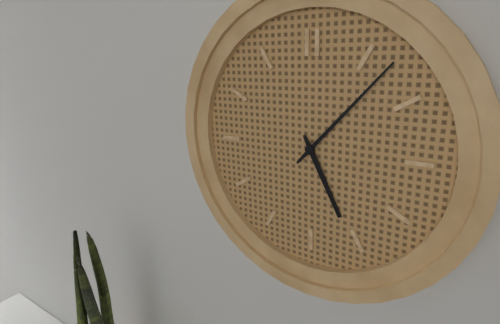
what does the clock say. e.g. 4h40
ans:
5h07
